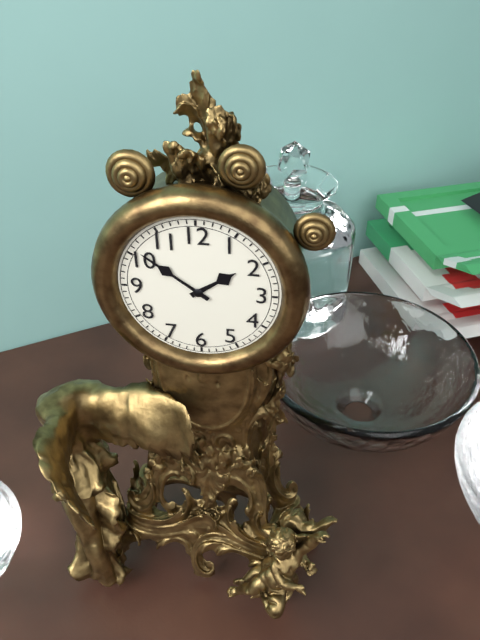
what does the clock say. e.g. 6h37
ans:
1h51
